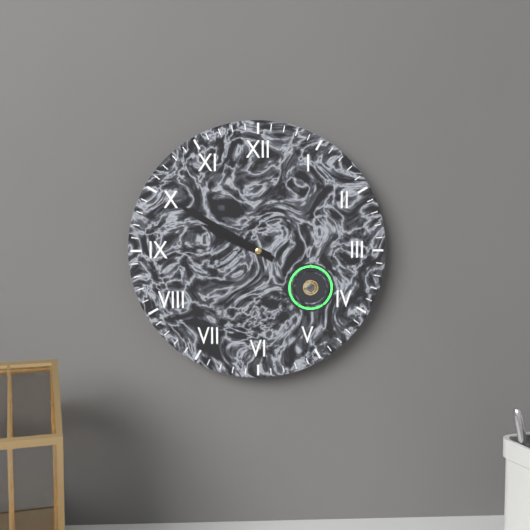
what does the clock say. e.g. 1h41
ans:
9h50
